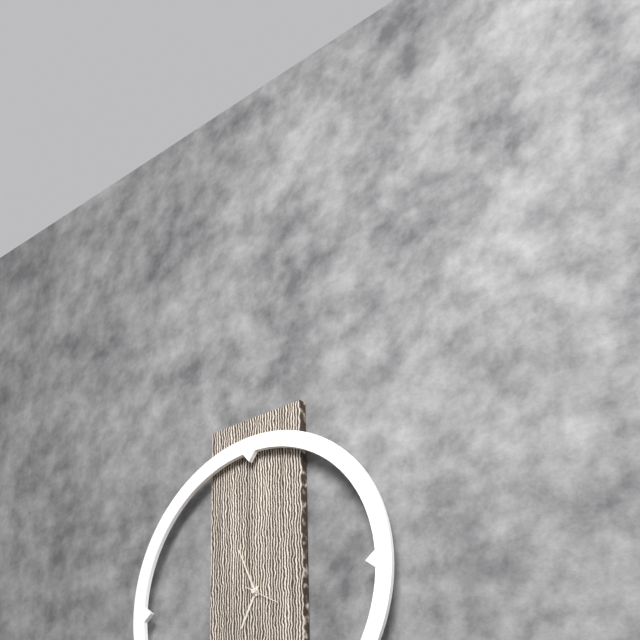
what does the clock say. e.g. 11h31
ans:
6h56
